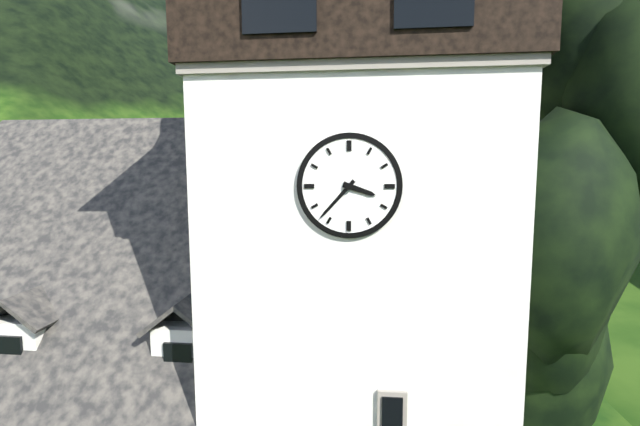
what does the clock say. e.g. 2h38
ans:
3h37
